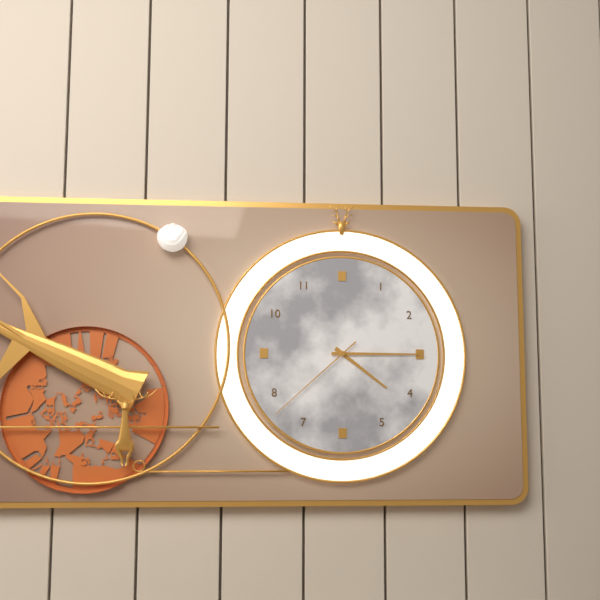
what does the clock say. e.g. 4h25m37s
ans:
4h15m38s
